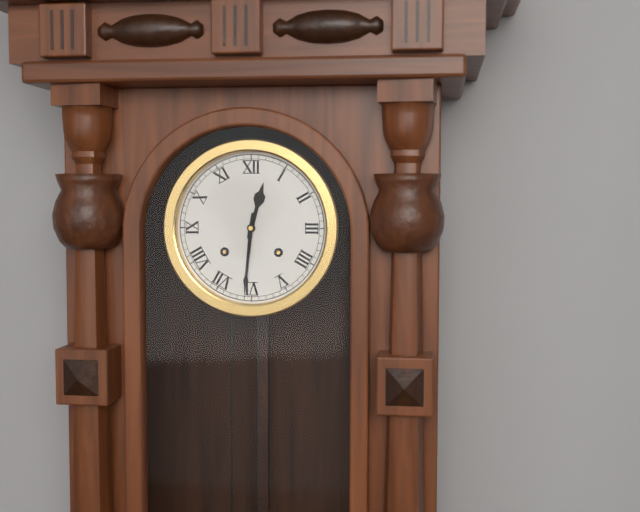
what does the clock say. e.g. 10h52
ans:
12h31
